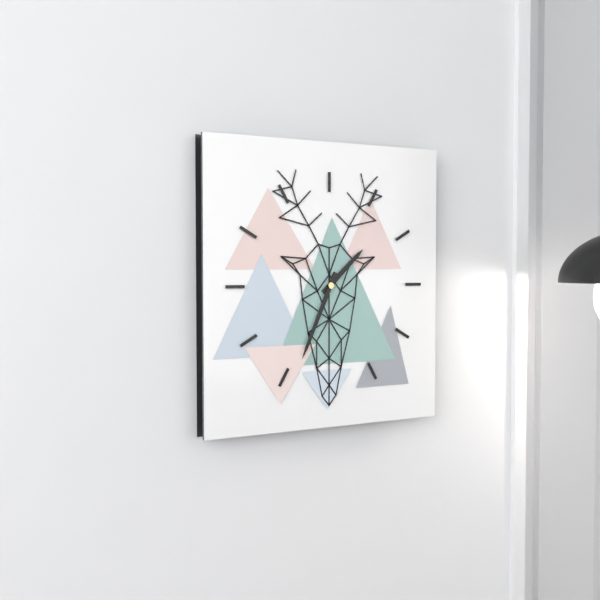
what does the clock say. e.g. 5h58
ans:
1h34
